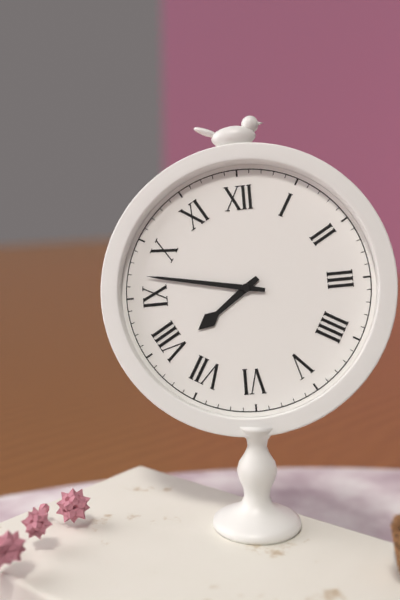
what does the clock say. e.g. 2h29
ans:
7h47
